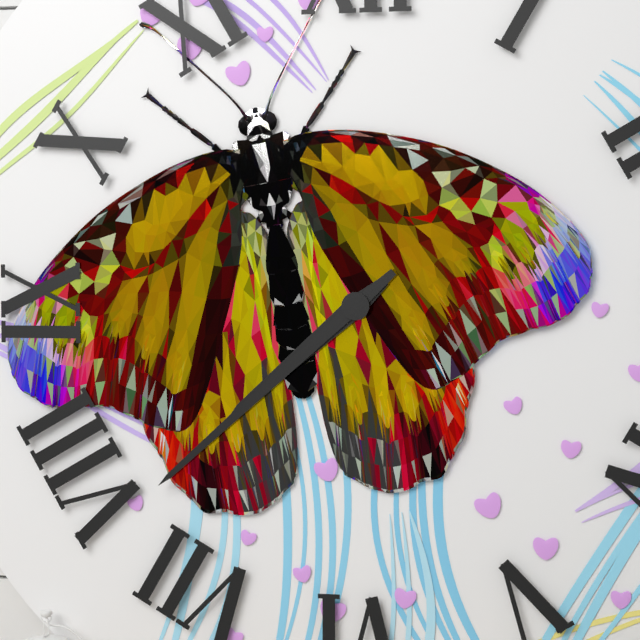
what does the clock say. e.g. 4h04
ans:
7h38
